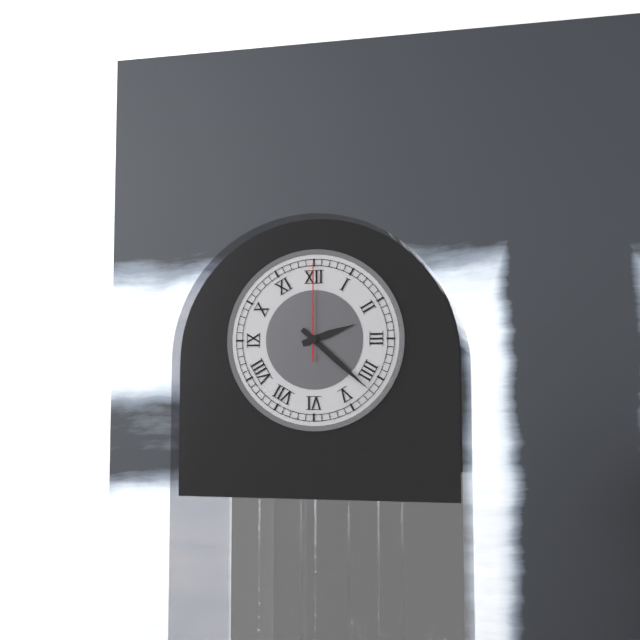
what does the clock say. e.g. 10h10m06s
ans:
2h22m00s
